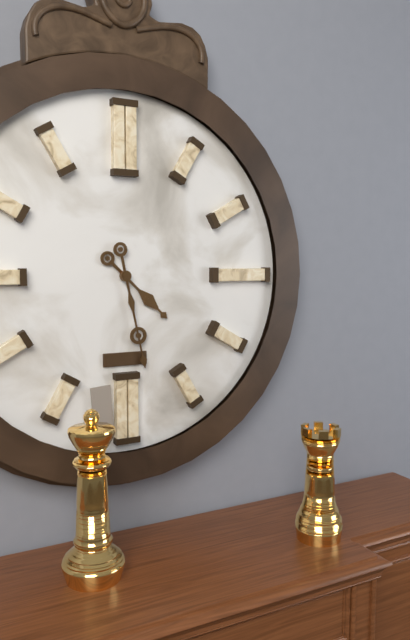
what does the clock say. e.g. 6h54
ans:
4h28
